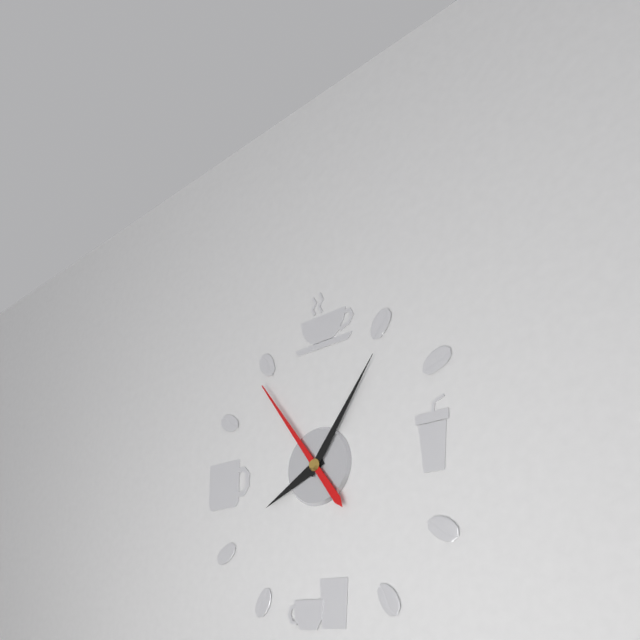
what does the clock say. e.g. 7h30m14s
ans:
8h06m54s
